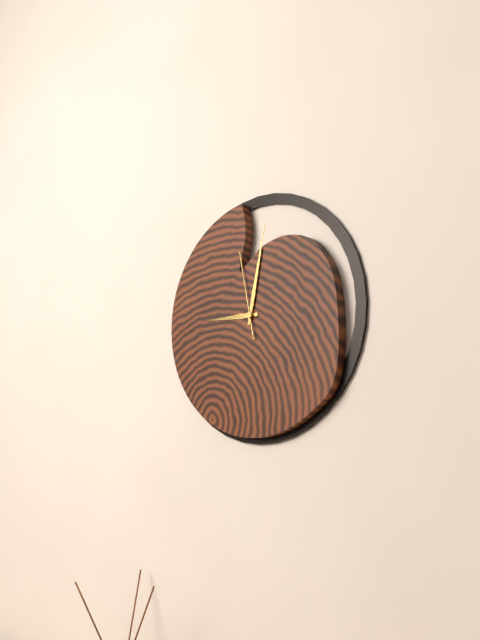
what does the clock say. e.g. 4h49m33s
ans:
9h02m58s
